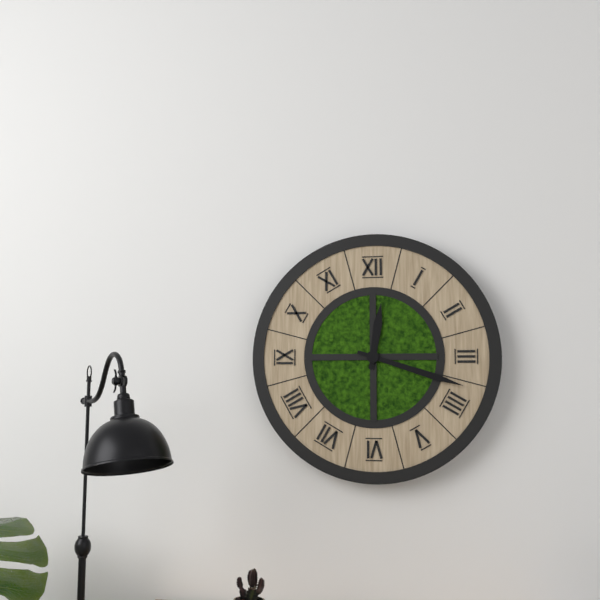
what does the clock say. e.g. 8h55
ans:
12h18
